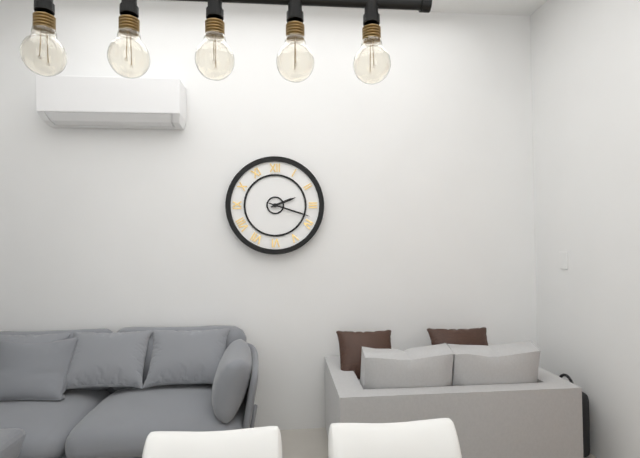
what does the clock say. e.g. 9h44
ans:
2h18
